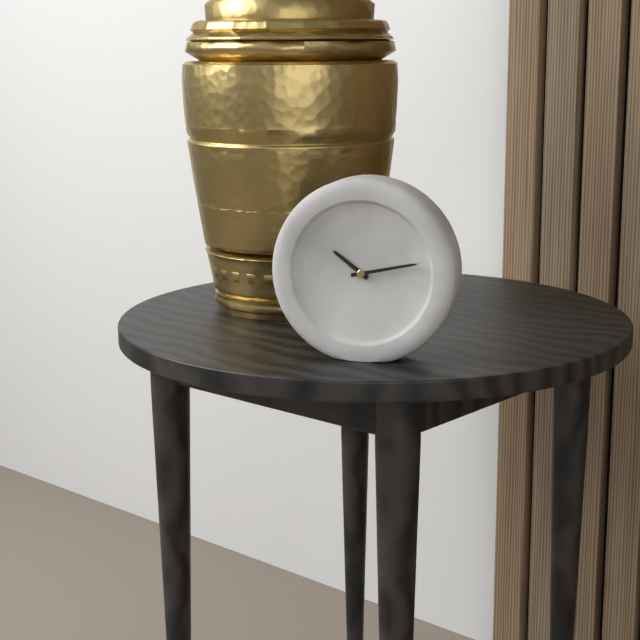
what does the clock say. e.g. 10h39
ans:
10h13
